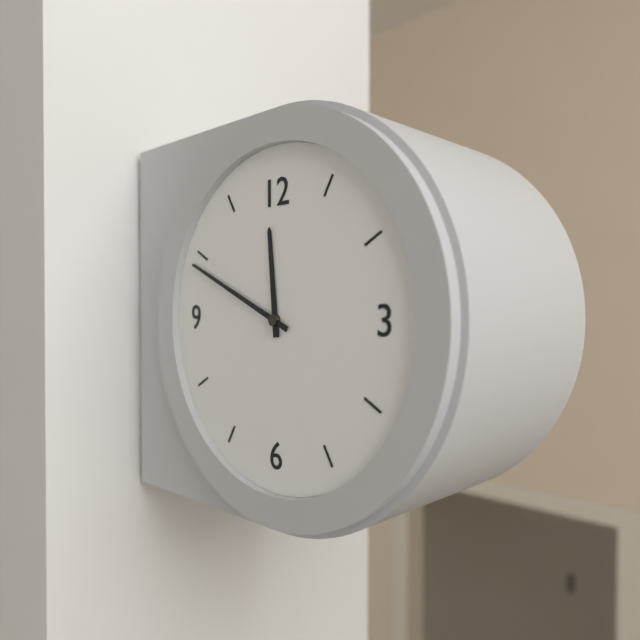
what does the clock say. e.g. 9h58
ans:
11h49
